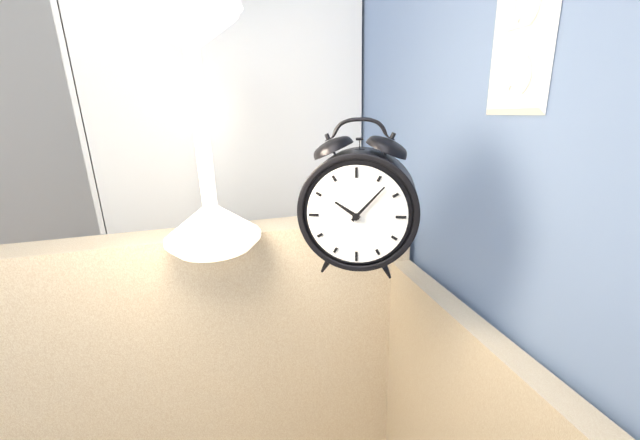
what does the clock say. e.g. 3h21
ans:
10h07
